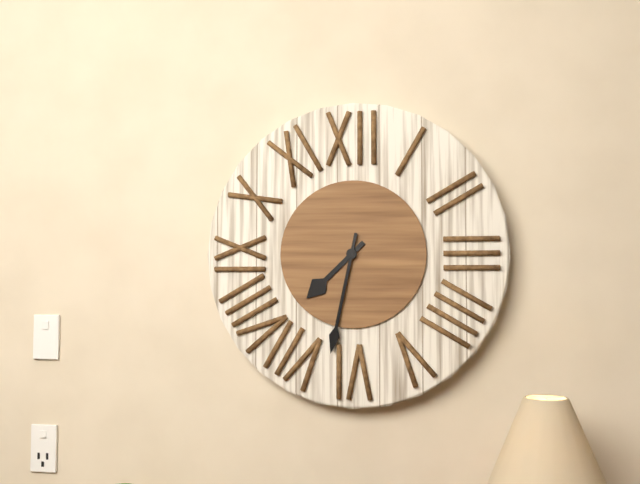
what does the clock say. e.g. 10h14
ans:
7h32
